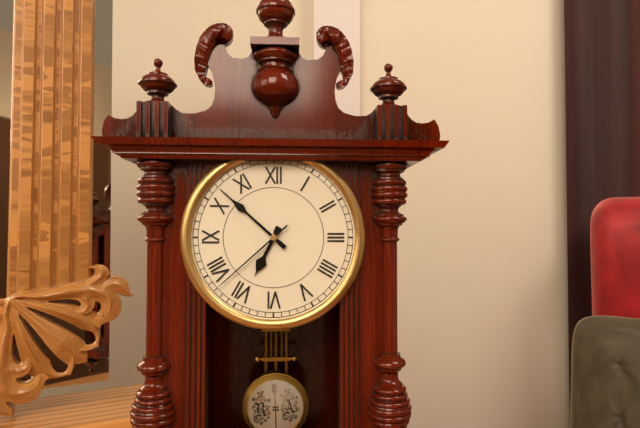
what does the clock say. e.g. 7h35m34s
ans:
6h52m38s
